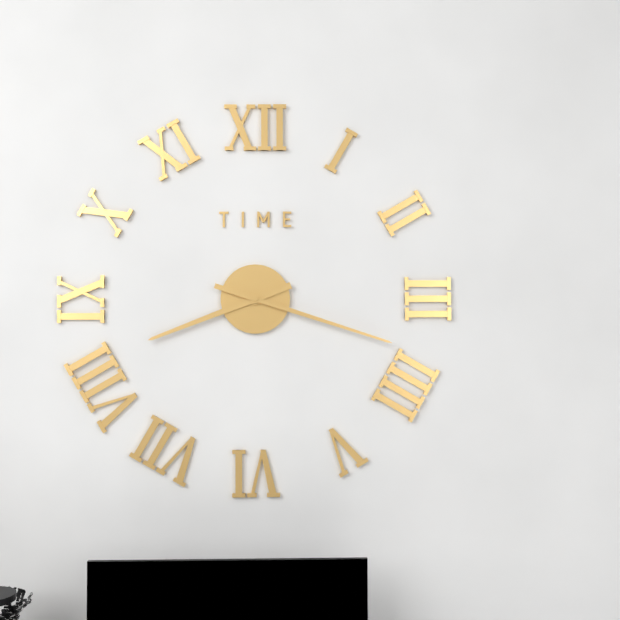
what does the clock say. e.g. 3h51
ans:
8h18
